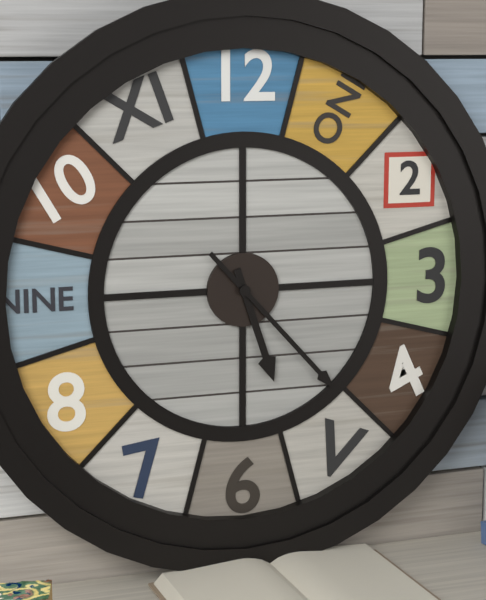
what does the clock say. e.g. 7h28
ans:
5h23
